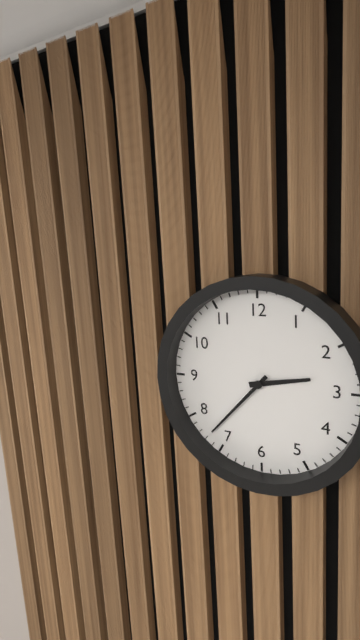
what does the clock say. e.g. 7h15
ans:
2h37
